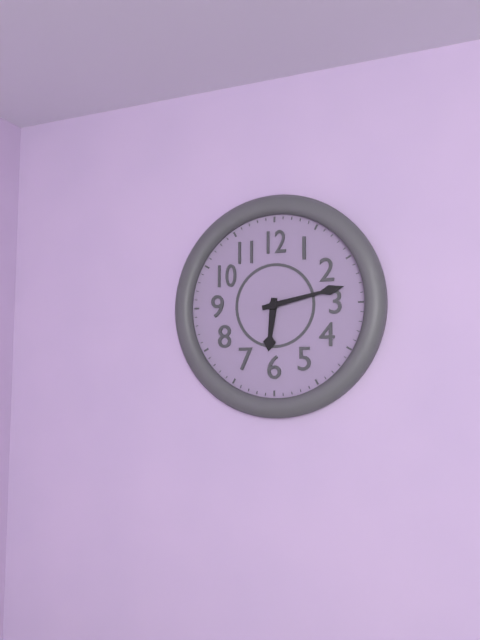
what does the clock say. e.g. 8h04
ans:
6h13
